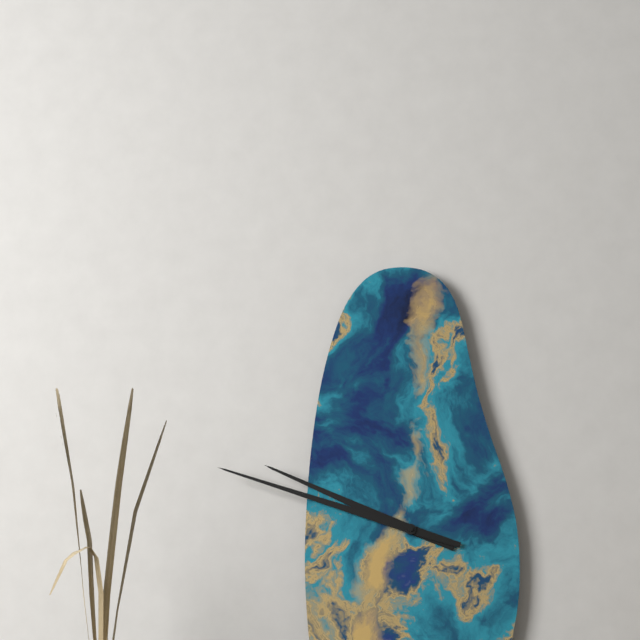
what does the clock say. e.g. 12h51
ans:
9h48
